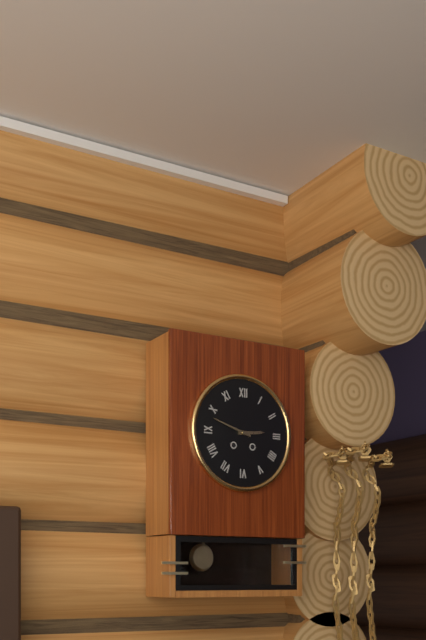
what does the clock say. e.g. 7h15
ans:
2h48
